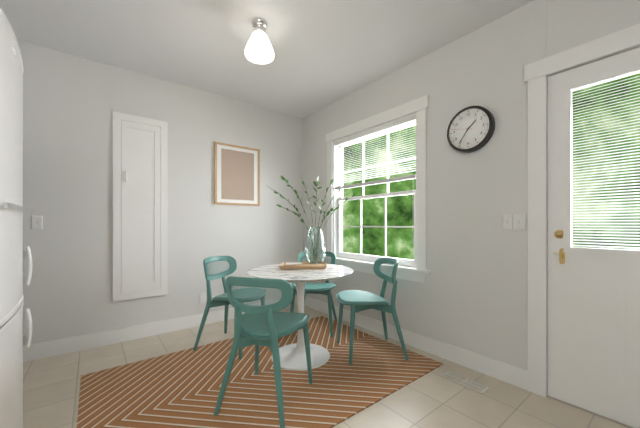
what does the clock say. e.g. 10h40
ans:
1h36
